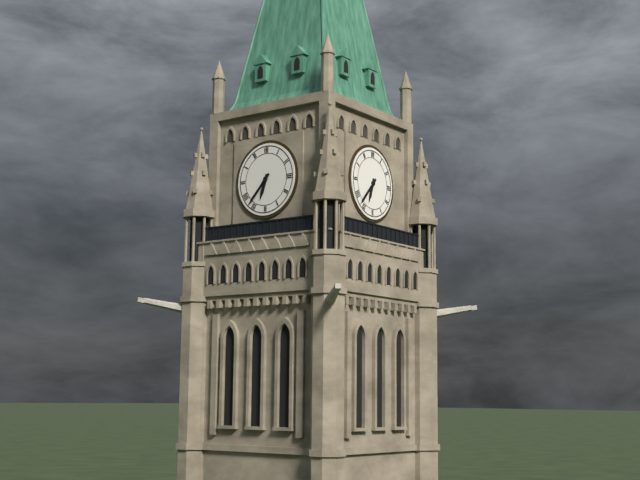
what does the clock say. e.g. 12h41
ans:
6h37
